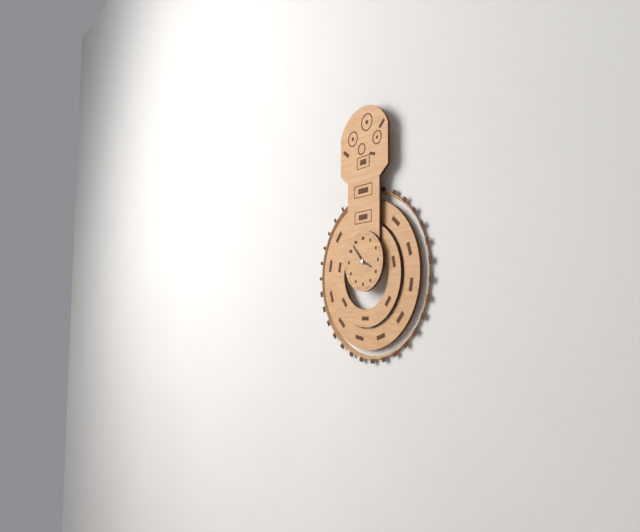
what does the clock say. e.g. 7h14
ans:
3h53
